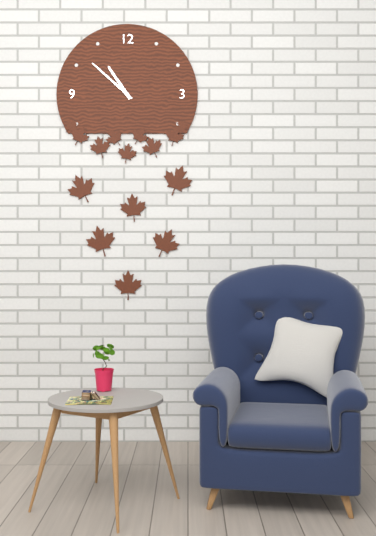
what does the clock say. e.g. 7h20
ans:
10h52
